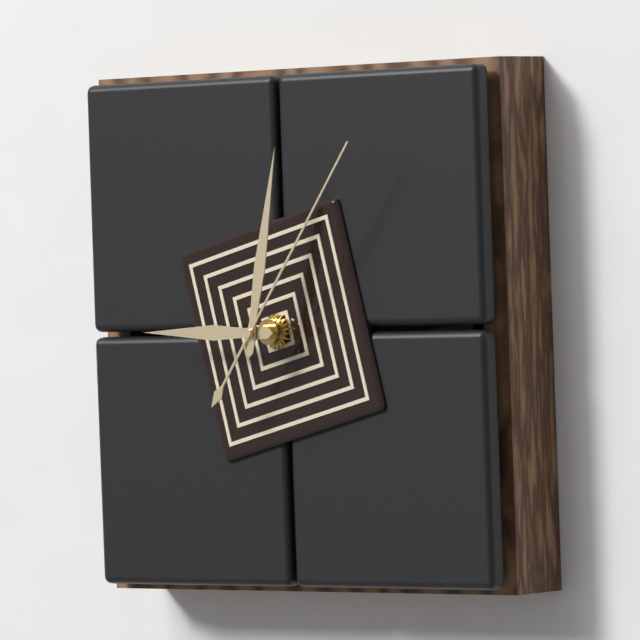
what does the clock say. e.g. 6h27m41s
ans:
9h02m06s
